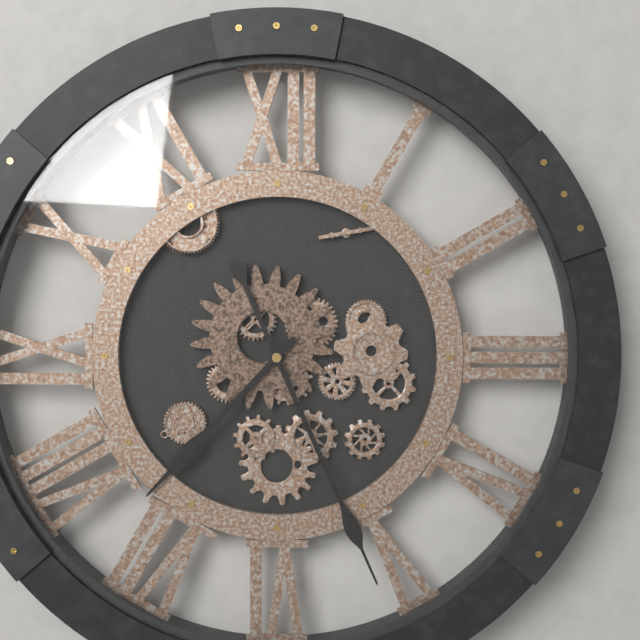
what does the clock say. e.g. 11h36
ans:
7h26
